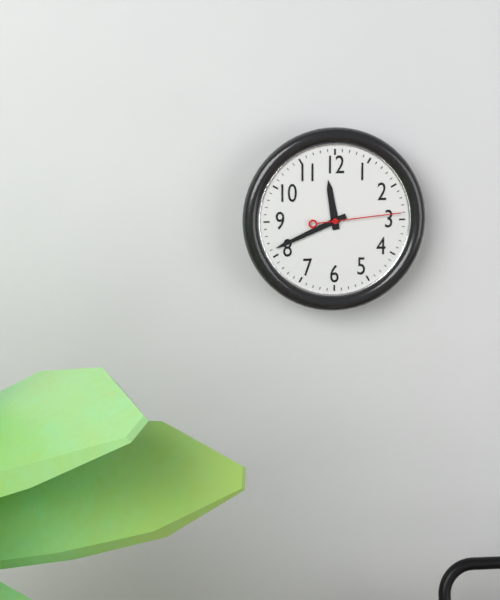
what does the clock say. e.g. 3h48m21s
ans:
11h41m14s
